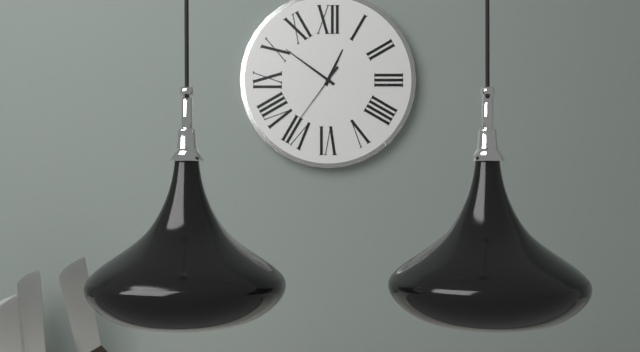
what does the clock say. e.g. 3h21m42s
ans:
12h51m36s
